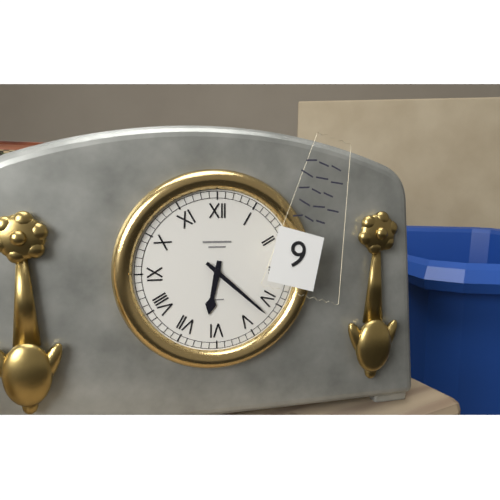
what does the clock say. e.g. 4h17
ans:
6h22
